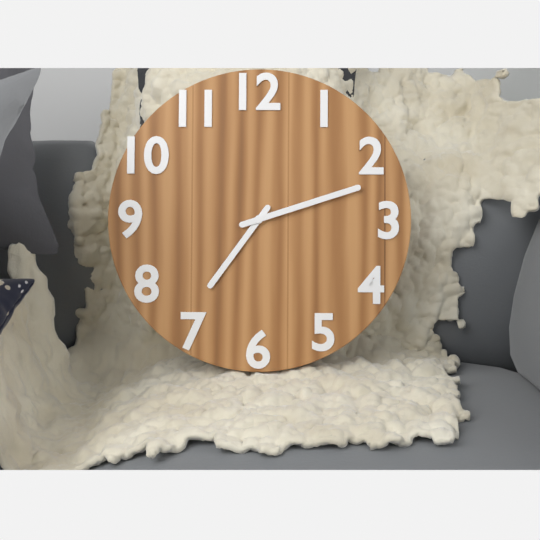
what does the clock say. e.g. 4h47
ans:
7h12
